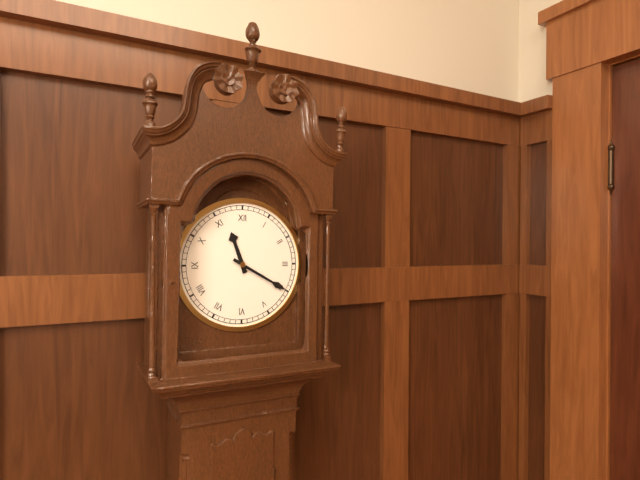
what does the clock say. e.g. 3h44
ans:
11h20
